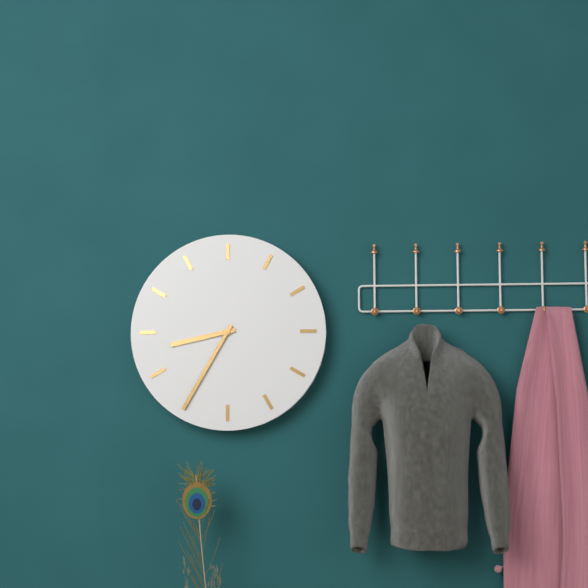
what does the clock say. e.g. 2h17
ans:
8h35
